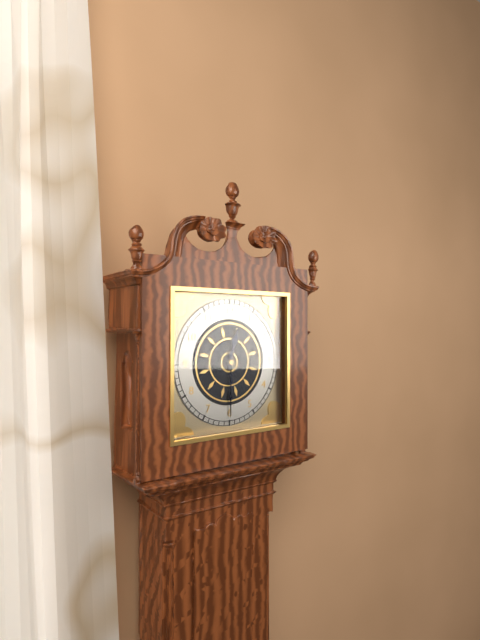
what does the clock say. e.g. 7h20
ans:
12h30
